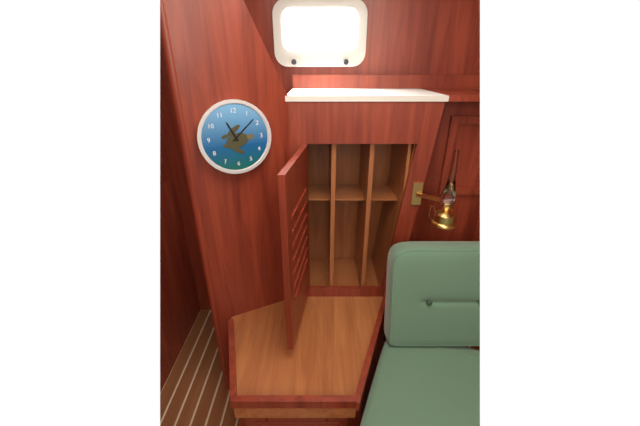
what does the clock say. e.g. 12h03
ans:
11h08
